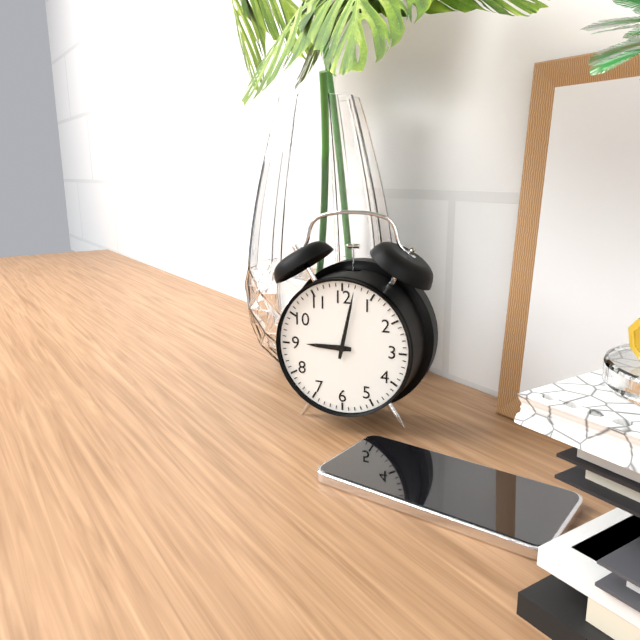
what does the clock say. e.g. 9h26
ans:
9h02
